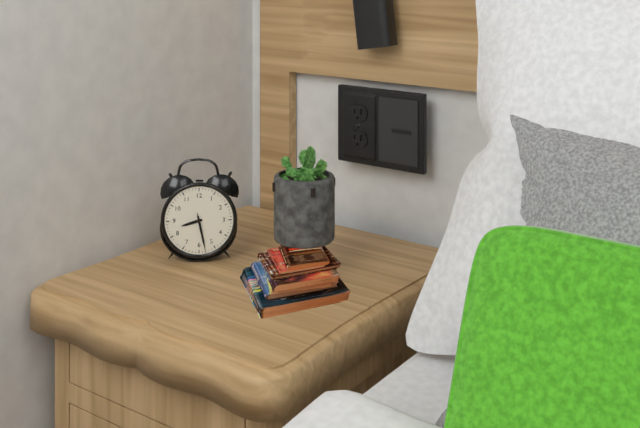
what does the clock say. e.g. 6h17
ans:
8h28
